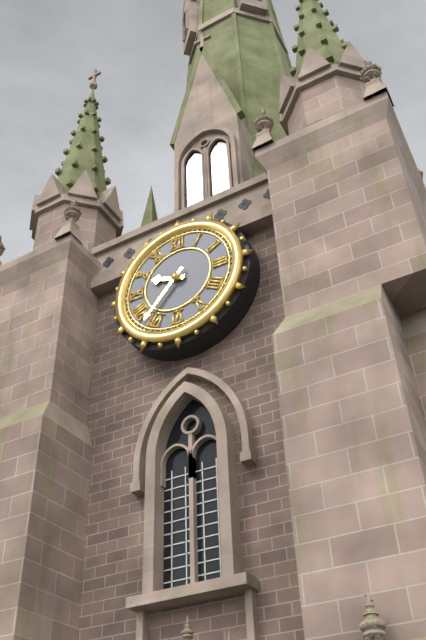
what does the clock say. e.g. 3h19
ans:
9h37
